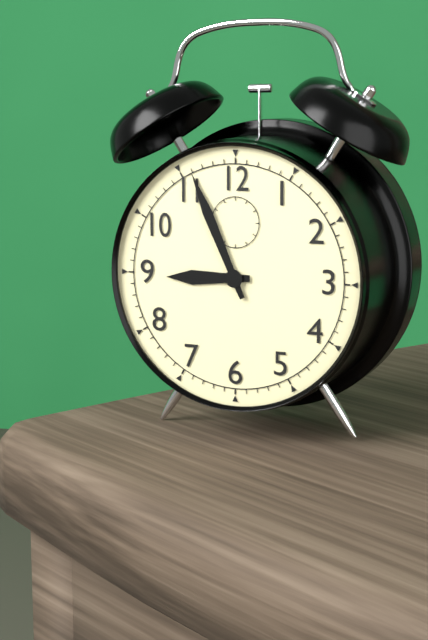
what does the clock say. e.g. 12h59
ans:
8h56
